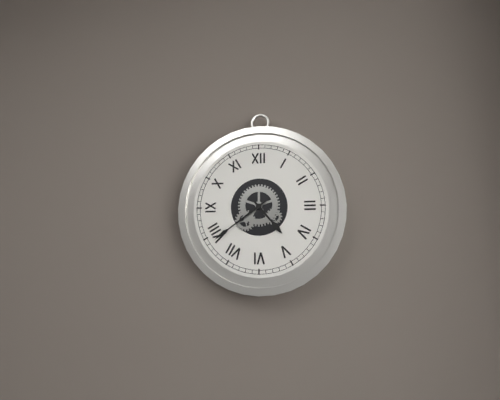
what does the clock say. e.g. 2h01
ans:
4h39
